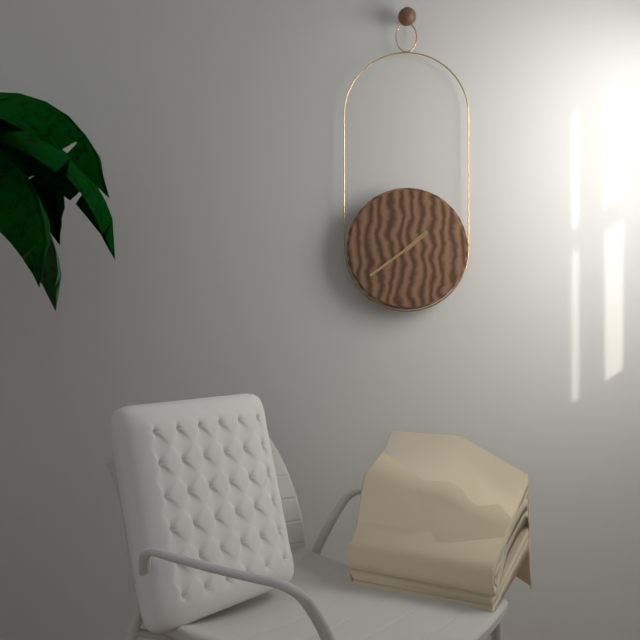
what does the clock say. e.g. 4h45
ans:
1h39
